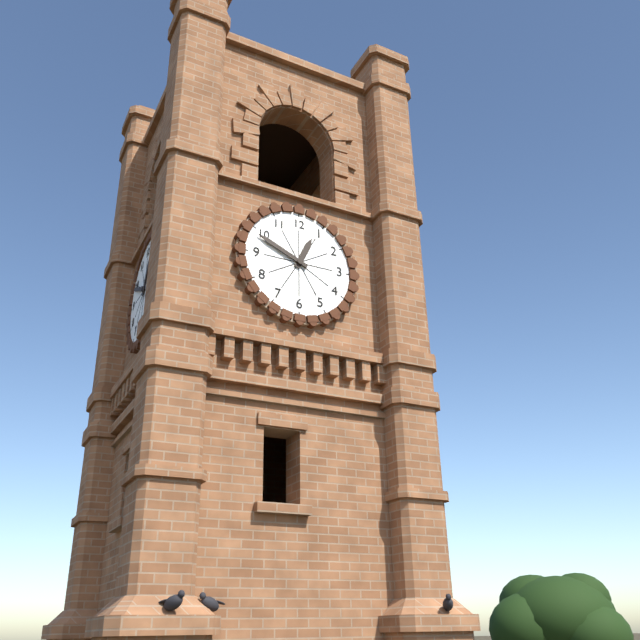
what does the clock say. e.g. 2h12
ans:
12h49
